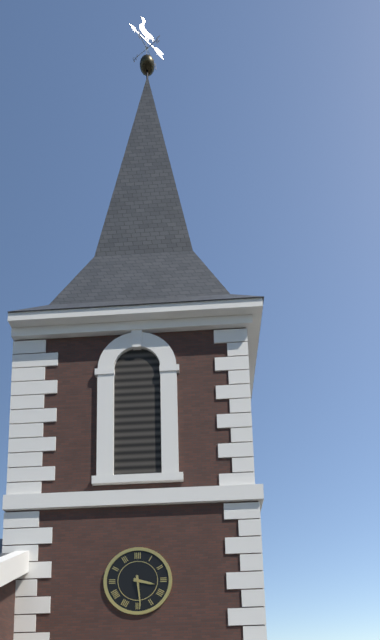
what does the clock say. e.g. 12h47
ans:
3h29
